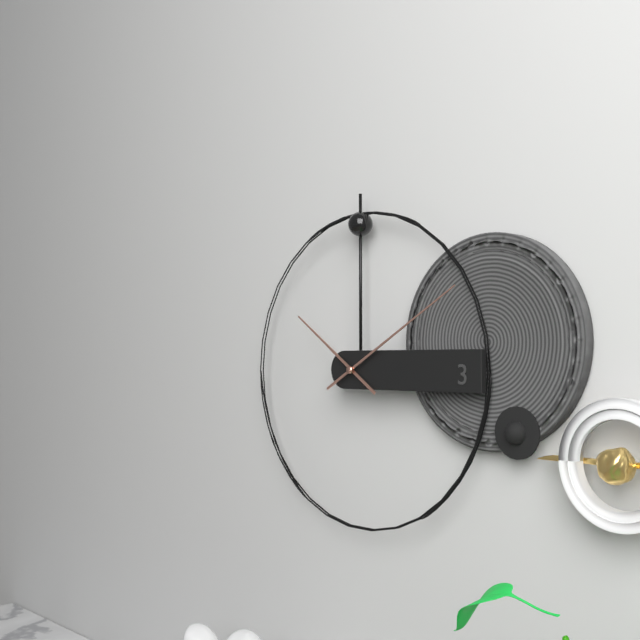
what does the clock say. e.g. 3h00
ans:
10h10
